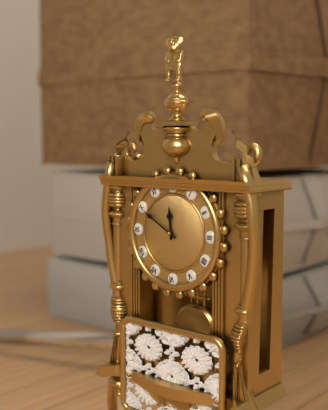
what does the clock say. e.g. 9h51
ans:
11h50
